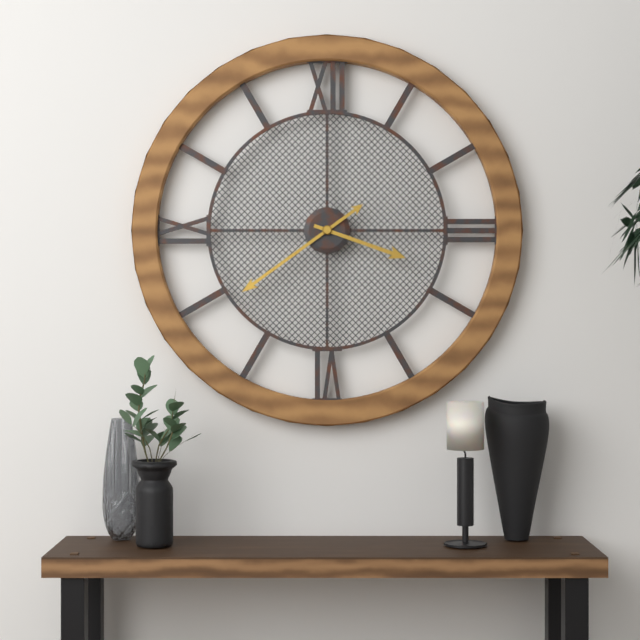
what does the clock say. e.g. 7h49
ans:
3h39
